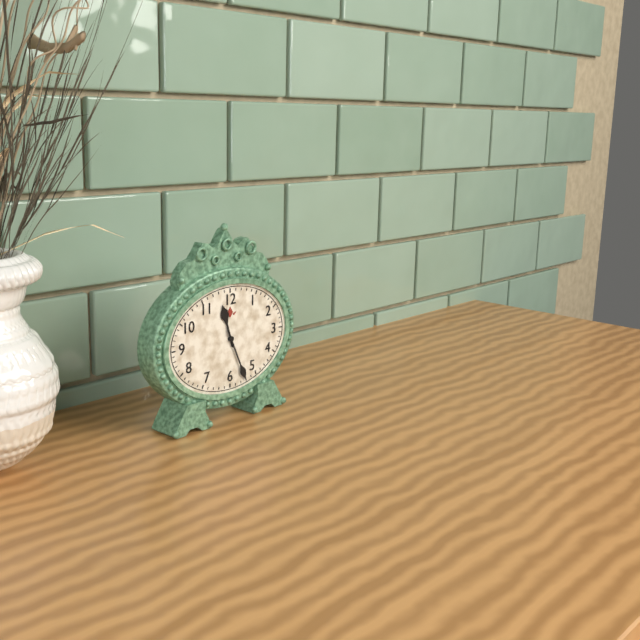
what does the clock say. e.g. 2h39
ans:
11h26
